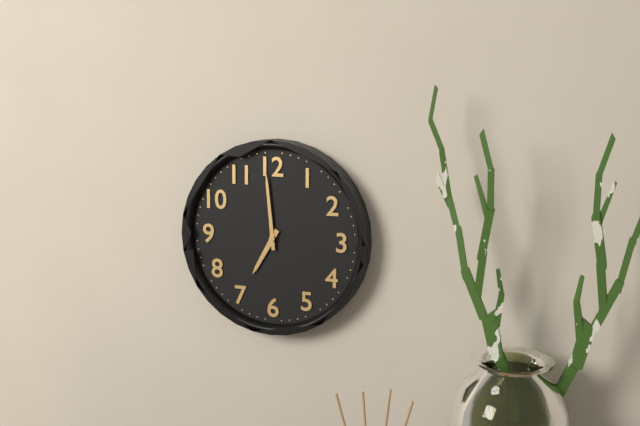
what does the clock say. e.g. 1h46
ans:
6h59
